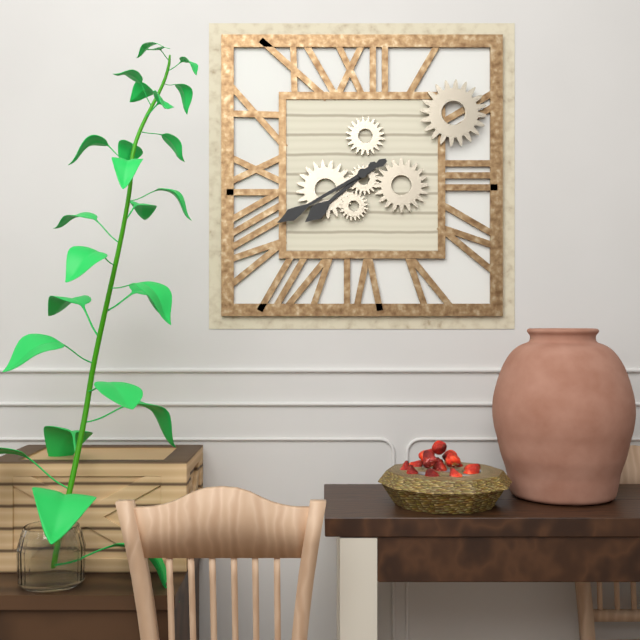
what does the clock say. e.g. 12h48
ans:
7h40
